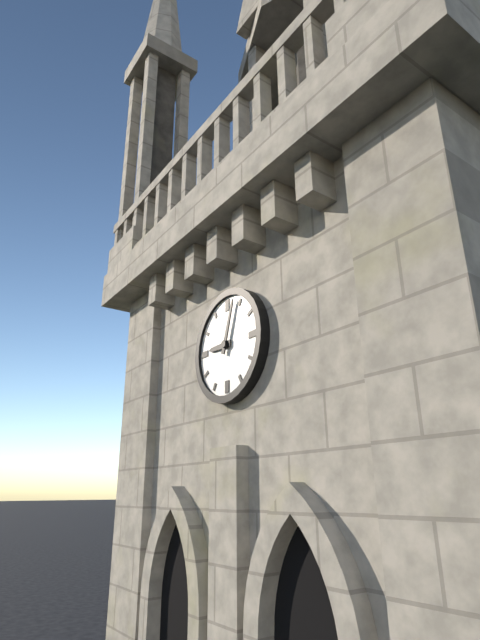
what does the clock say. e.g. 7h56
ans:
9h03
